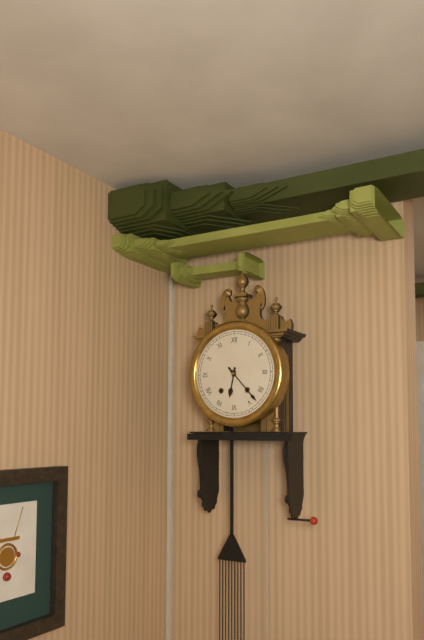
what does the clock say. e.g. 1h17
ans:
6h23
